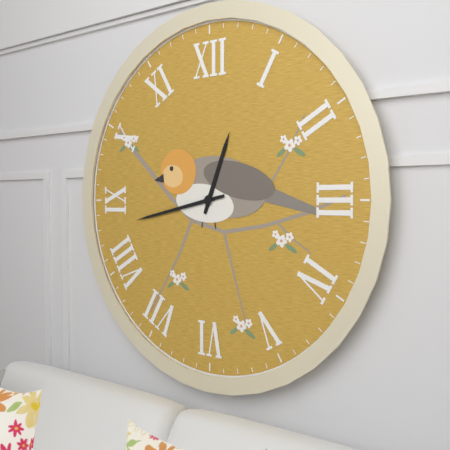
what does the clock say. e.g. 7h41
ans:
12h43
